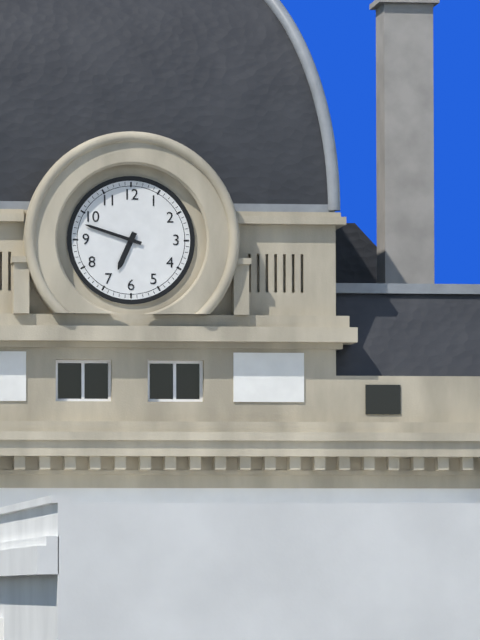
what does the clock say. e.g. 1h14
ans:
6h48
